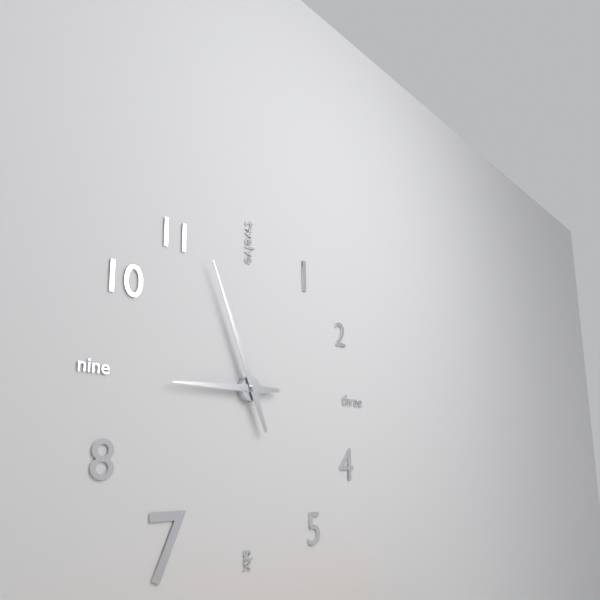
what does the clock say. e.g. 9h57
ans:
8h56
